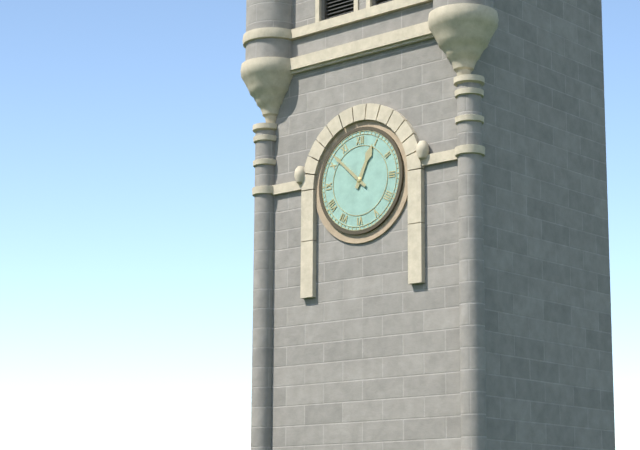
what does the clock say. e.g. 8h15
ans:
12h52
